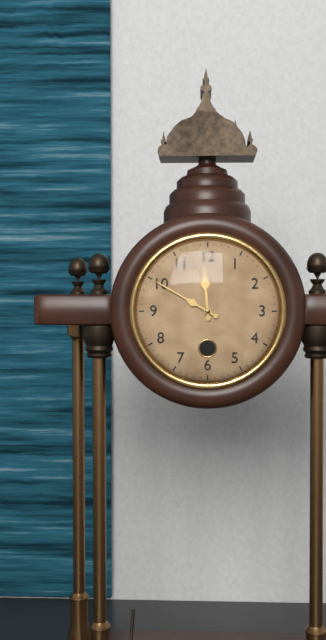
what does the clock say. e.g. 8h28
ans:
11h50
